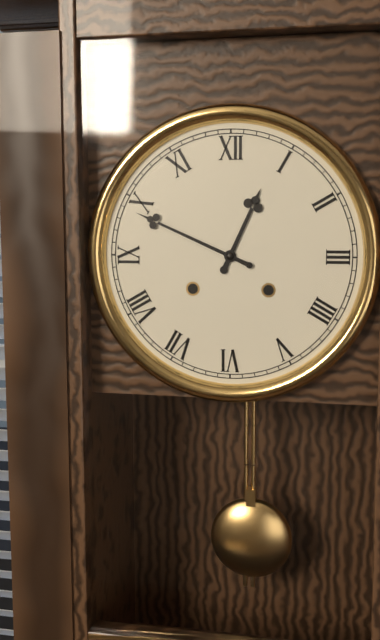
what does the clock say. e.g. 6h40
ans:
12h49
